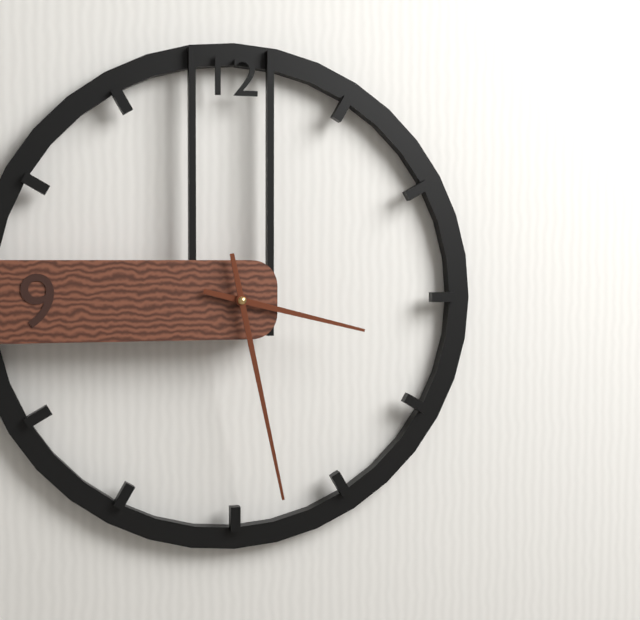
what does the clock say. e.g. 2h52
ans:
3h28
